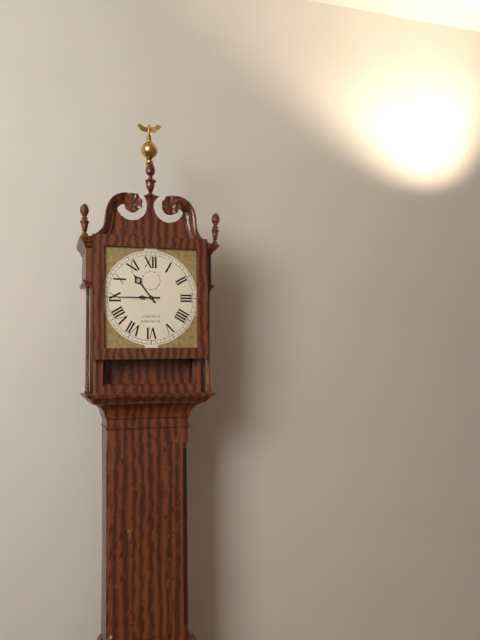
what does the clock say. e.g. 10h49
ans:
10h45
